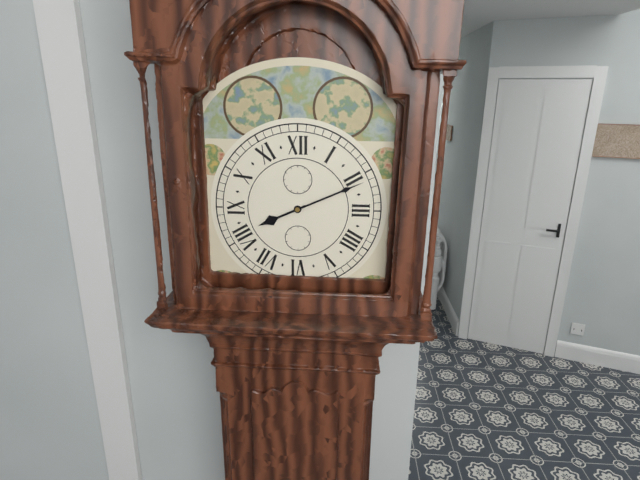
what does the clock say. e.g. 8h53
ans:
8h11
